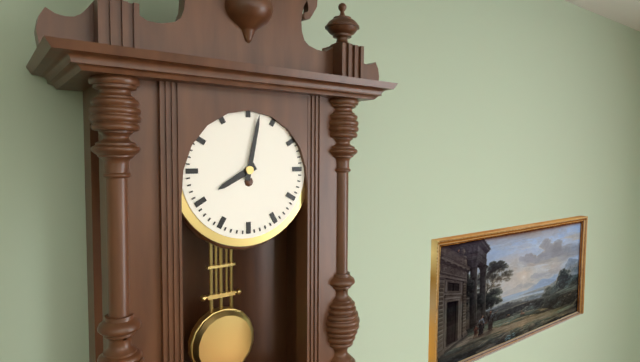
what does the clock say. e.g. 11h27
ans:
8h02
